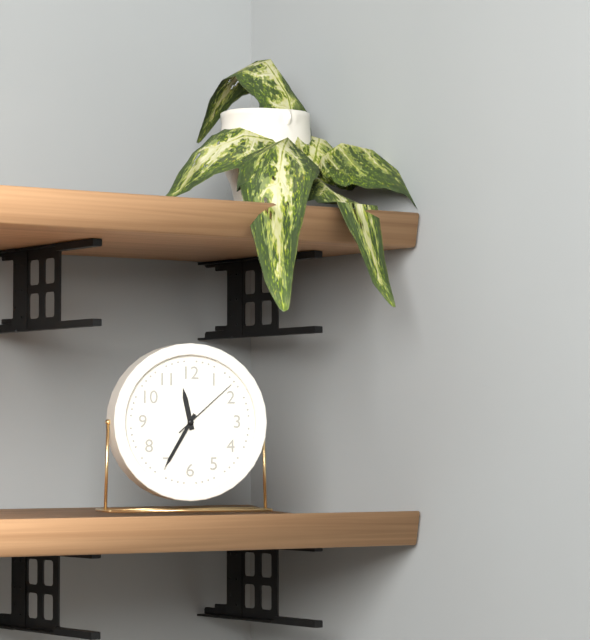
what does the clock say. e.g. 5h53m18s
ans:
11h35m08s
